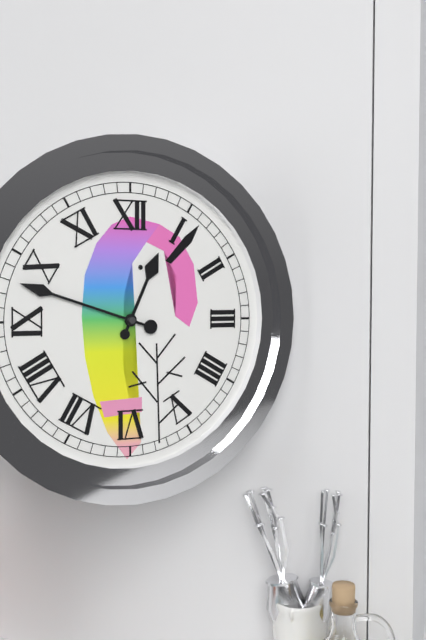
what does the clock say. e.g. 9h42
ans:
12h48
